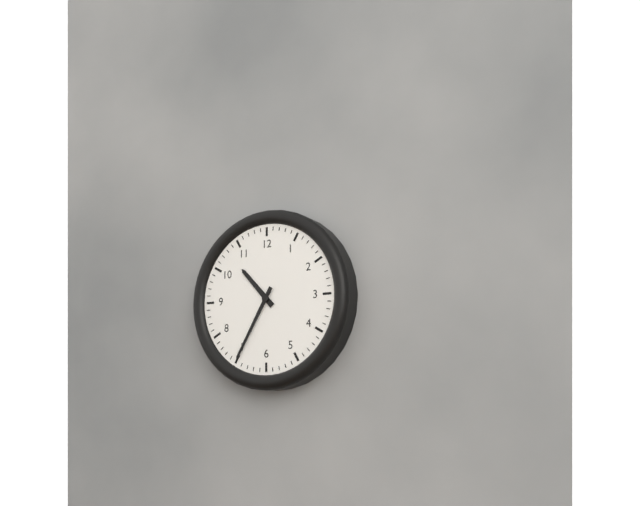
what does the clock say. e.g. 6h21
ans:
10h35
